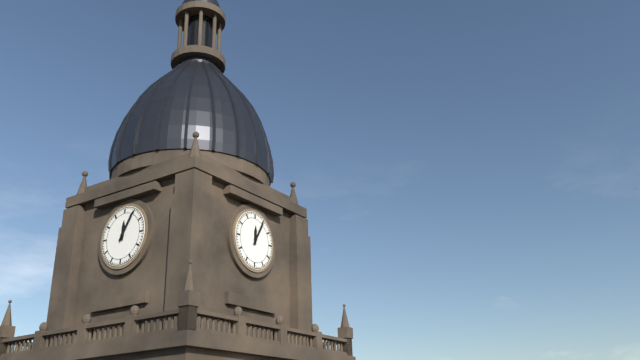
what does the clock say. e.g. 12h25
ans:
12h05
